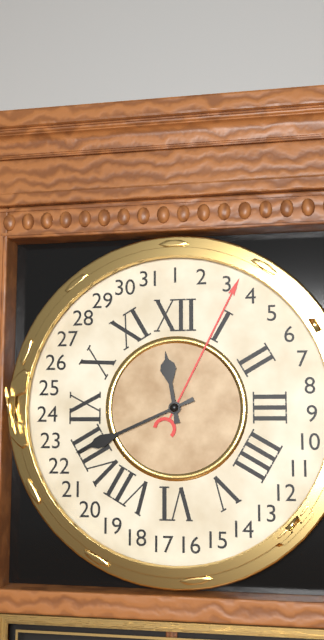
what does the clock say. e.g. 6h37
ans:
11h41
